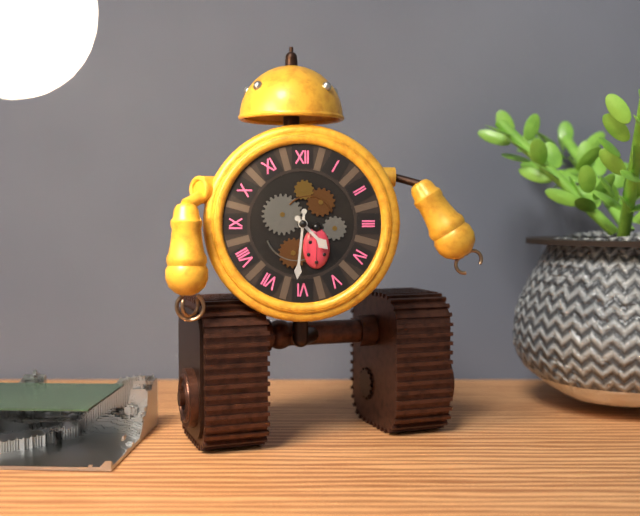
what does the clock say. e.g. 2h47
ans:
4h31
